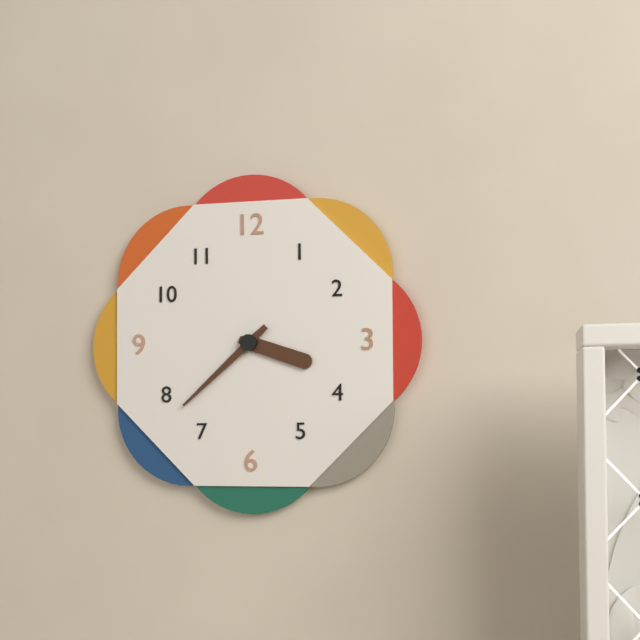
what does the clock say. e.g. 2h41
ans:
3h38
